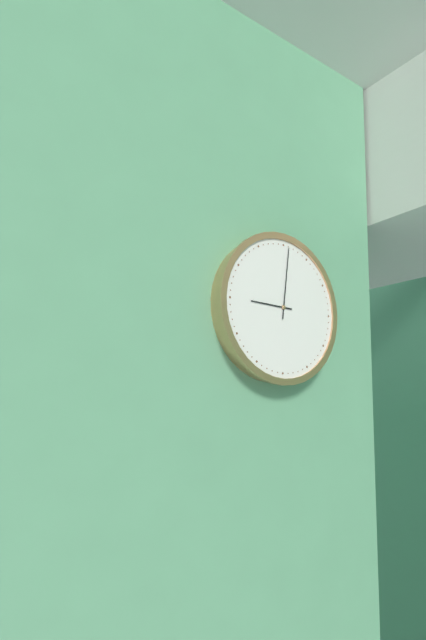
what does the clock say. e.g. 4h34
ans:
9h01
